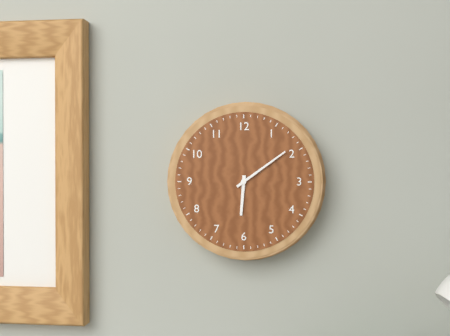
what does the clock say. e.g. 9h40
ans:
6h09
